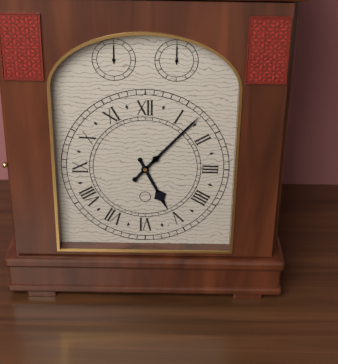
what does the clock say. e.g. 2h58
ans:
5h07
